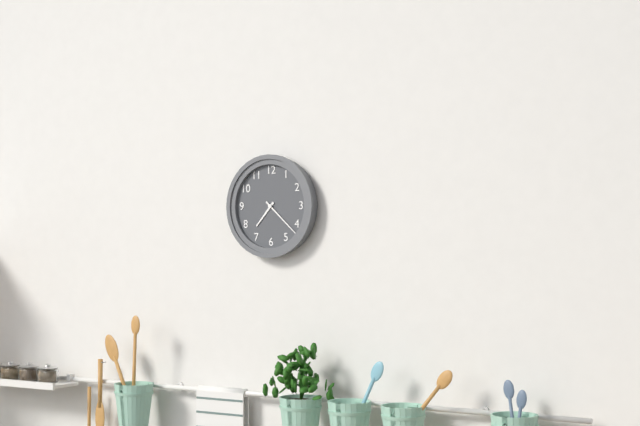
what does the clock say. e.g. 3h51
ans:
7h22
